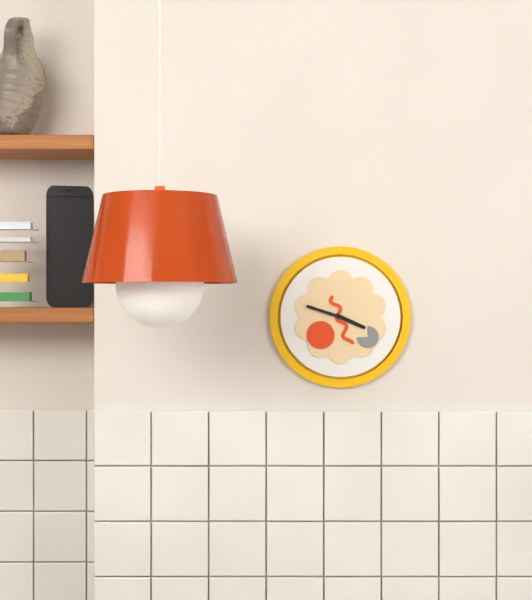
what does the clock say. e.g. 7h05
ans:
3h48
